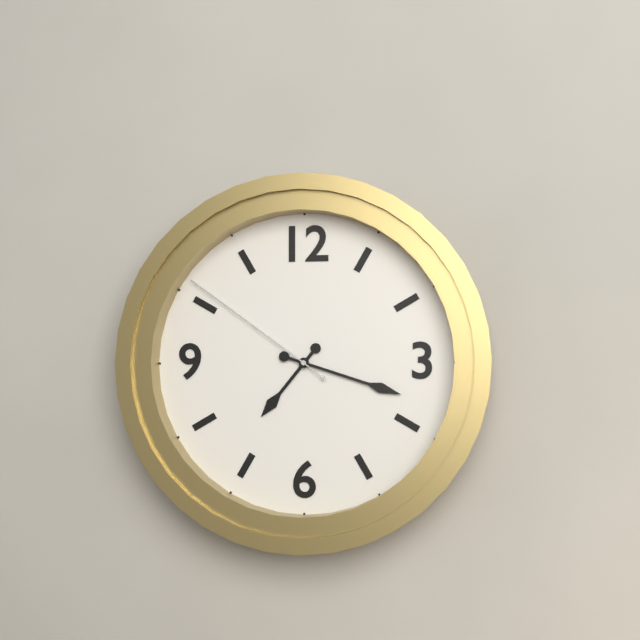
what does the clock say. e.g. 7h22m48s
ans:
7h18m51s
